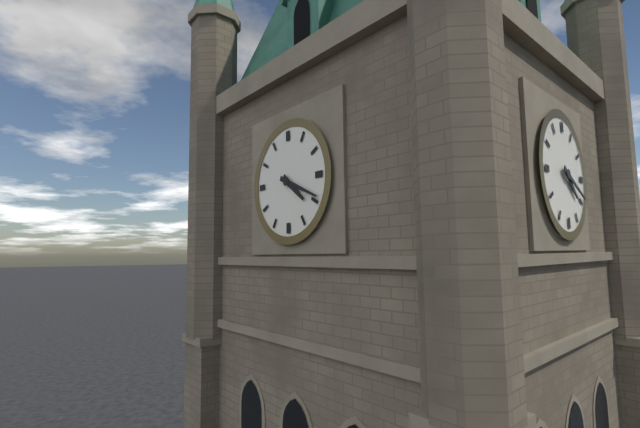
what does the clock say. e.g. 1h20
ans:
4h19
